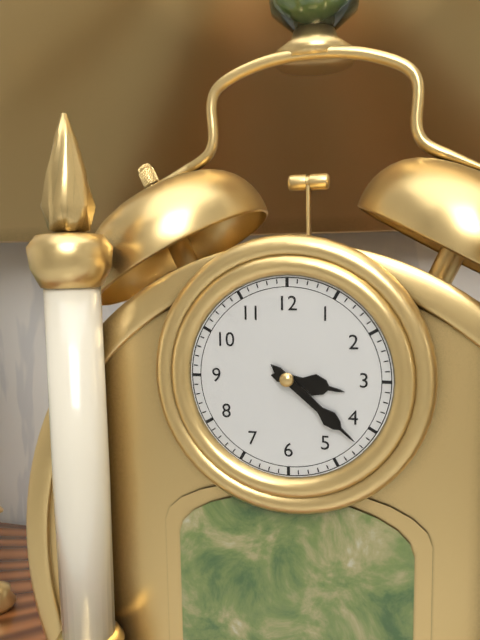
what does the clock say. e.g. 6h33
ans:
3h22
